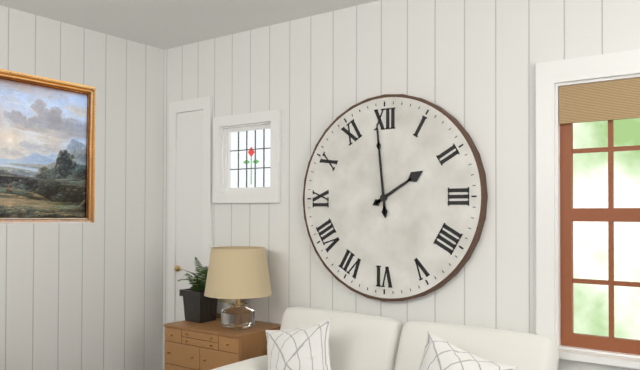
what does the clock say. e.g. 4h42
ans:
1h59
